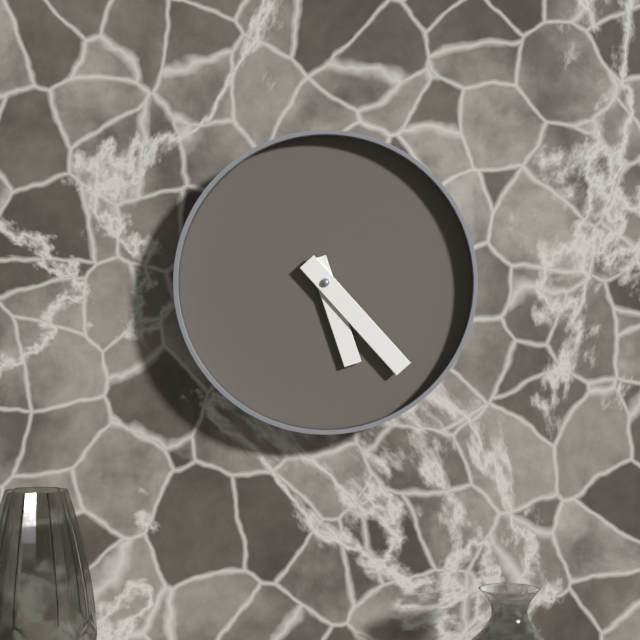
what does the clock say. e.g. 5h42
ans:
5h23
